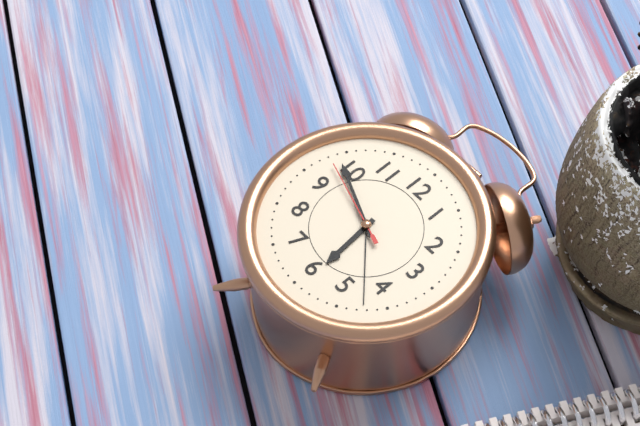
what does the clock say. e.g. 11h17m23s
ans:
5h49m48s
